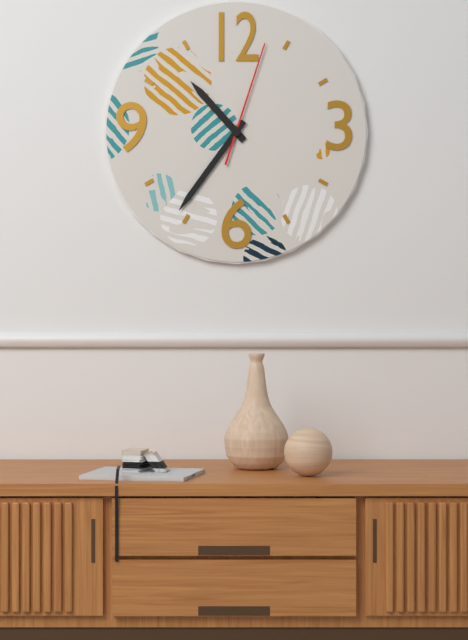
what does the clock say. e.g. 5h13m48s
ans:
10h36m03s
